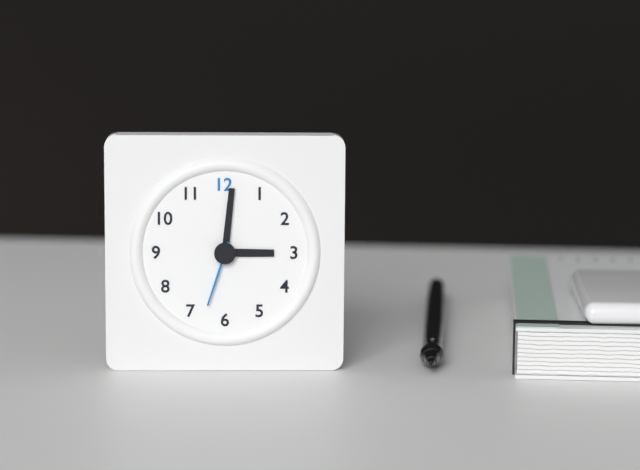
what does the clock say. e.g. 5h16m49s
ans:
3h01m33s
